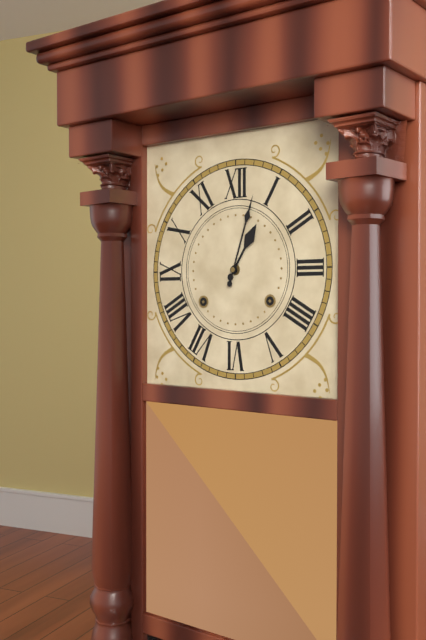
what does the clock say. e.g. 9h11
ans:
1h03
